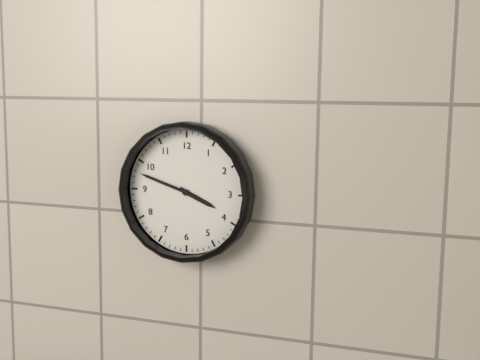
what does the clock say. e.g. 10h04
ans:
3h48
